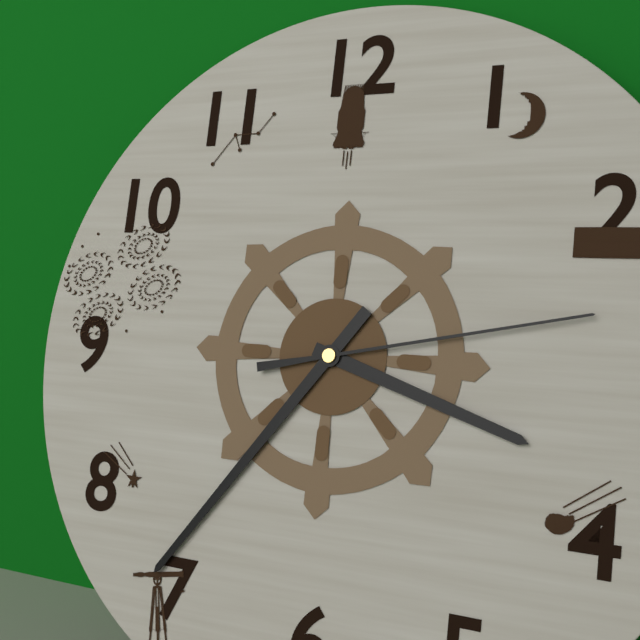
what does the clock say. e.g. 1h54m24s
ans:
3h36m13s
